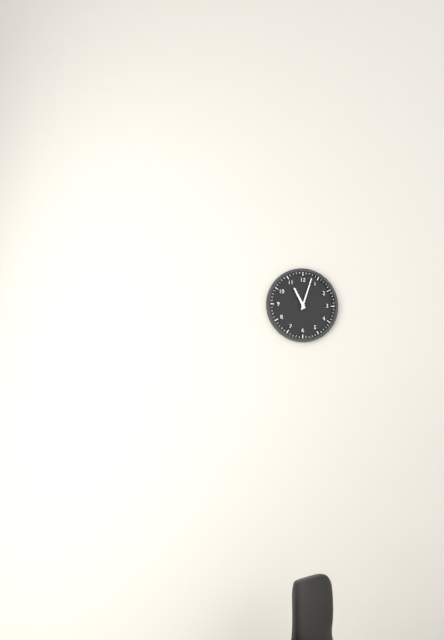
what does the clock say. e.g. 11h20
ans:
11h03
